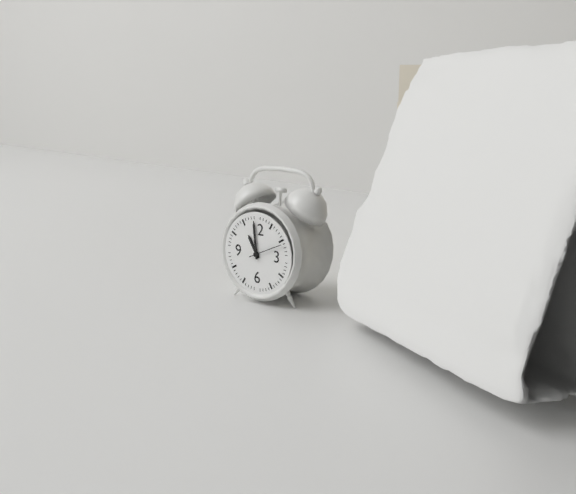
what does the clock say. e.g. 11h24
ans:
10h59
